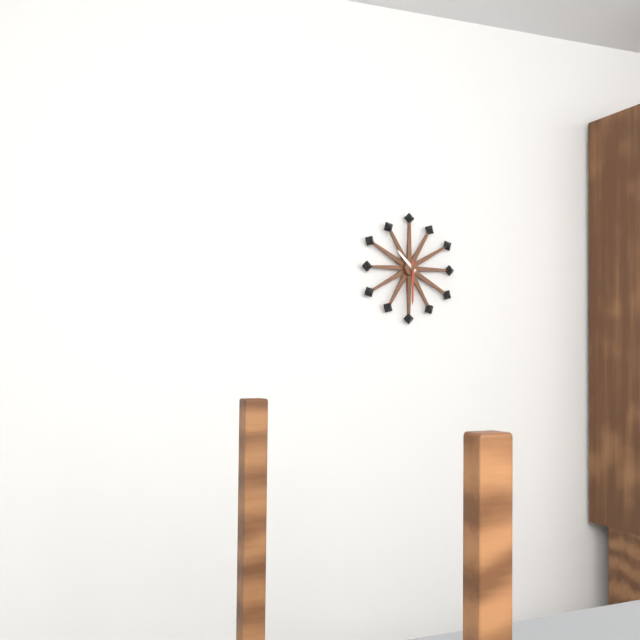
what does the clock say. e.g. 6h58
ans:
10h30
